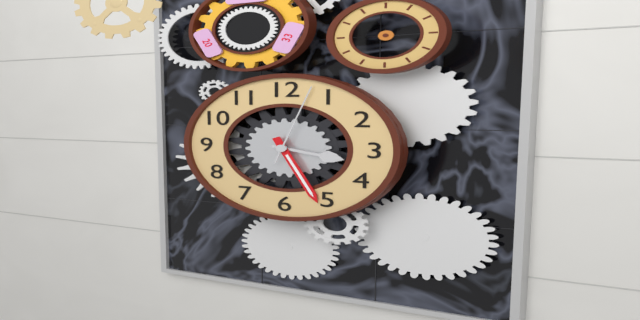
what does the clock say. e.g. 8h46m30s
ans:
3h26m03s
